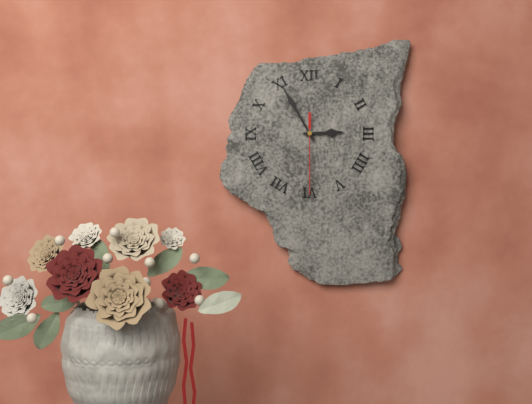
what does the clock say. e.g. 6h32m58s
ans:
2h55m30s
